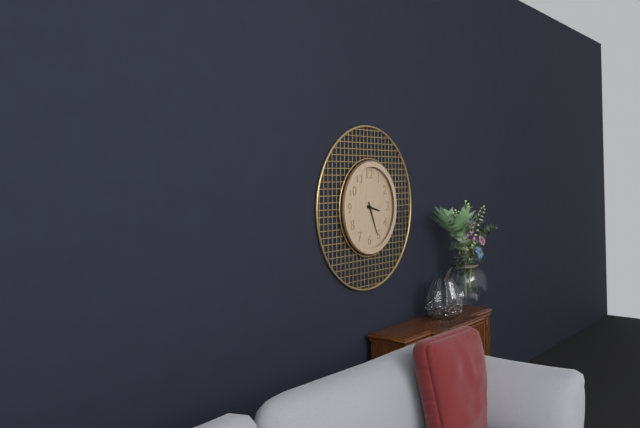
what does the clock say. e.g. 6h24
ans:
3h26
